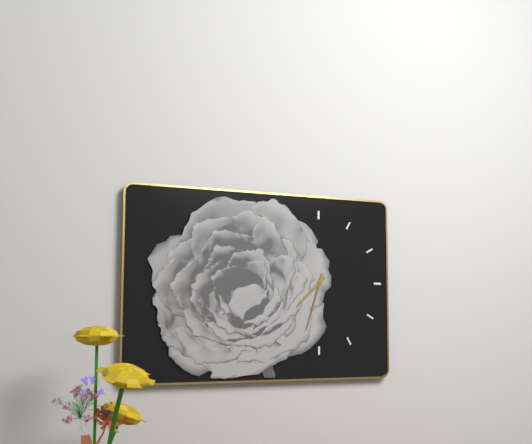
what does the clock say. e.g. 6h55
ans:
7h33
